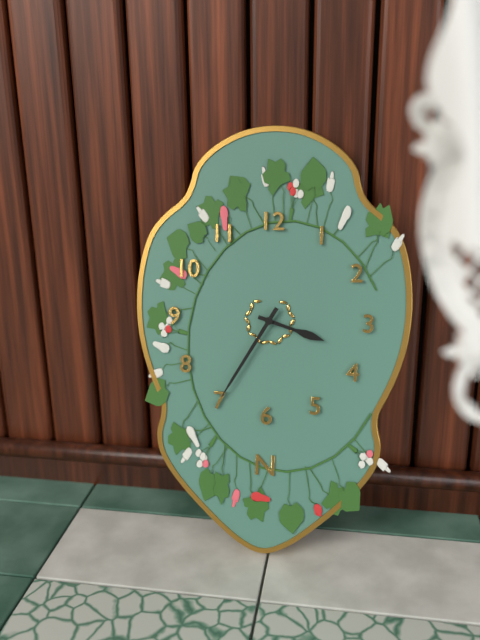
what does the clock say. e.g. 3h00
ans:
3h35
